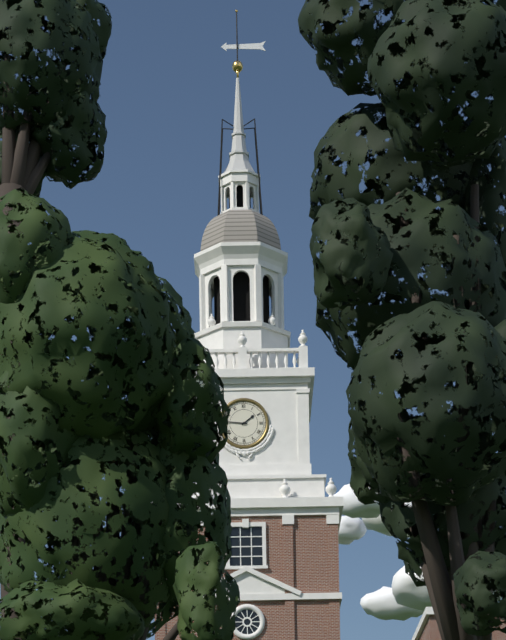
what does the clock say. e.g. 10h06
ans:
1h46
